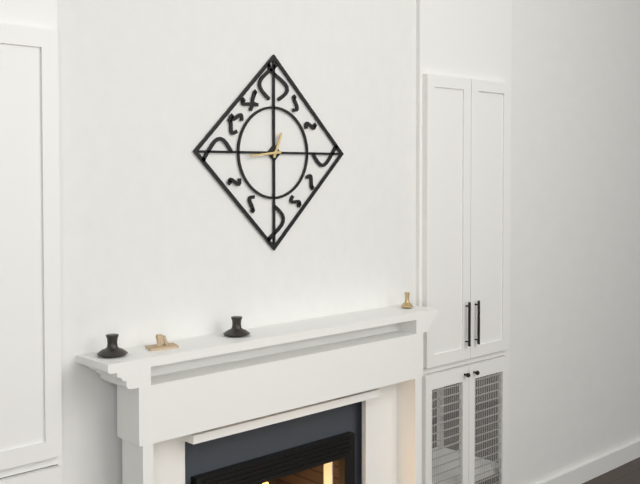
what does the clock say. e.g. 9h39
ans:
12h44
